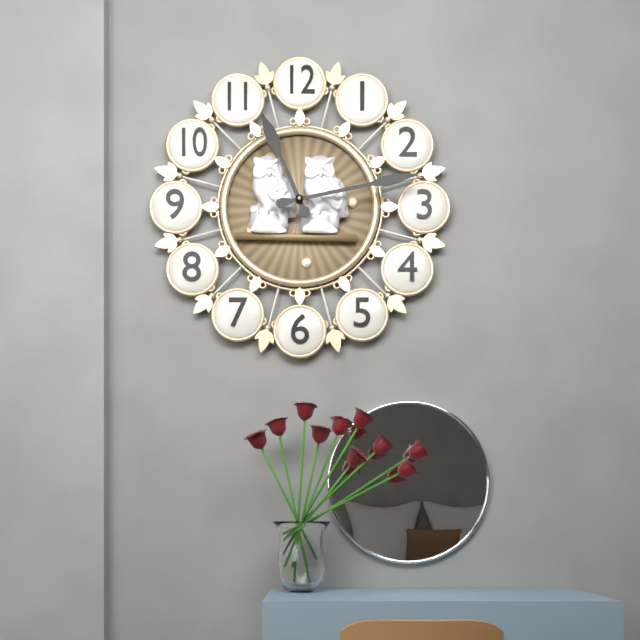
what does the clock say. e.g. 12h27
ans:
11h13
